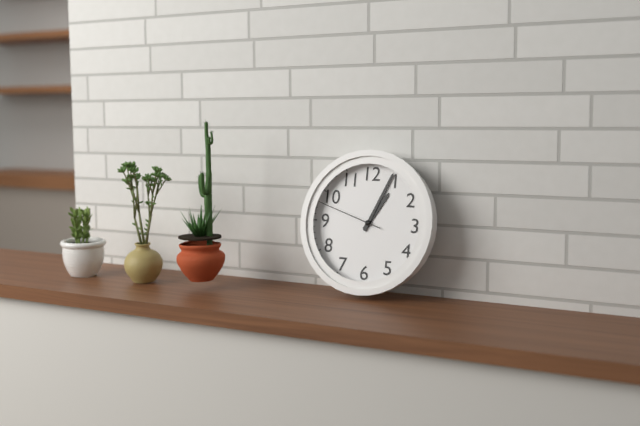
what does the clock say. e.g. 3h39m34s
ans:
1h04m48s
